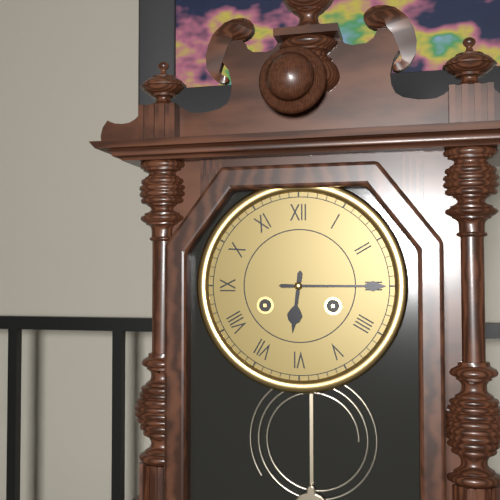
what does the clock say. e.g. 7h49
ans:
6h15
